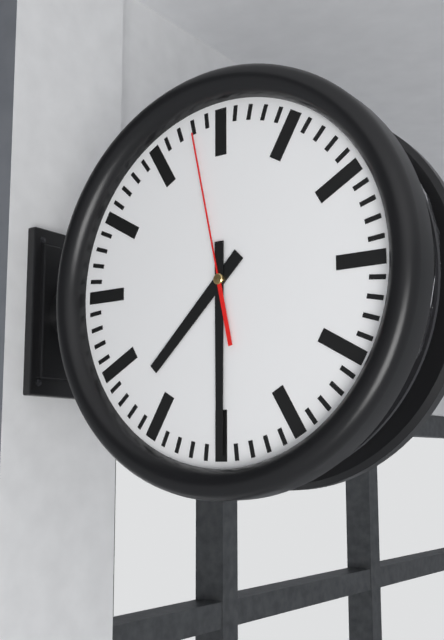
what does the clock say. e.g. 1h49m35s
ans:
7h30m58s
